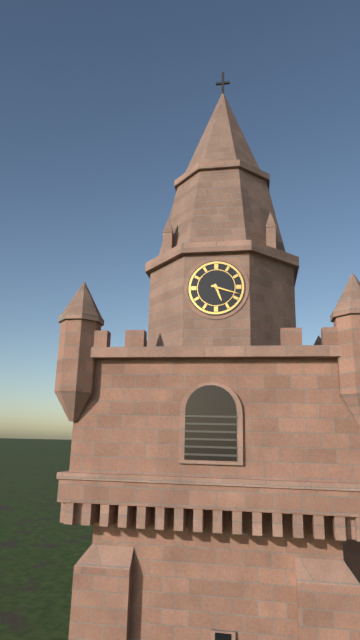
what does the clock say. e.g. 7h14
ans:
5h18
